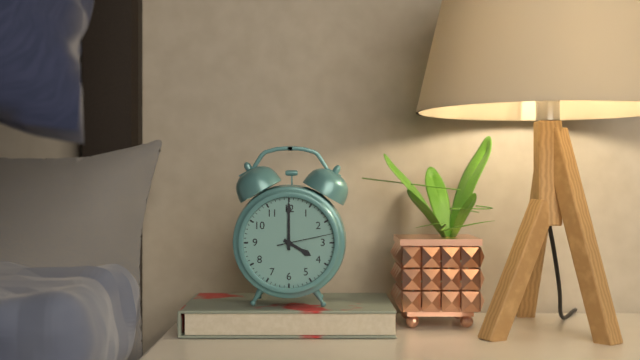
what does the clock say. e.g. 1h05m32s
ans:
4h00m13s
